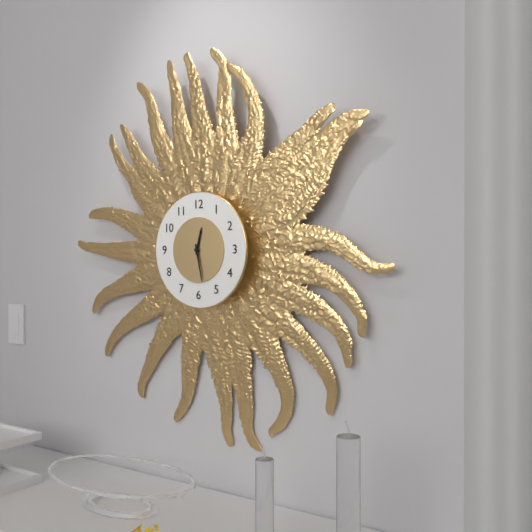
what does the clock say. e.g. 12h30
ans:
12h28
